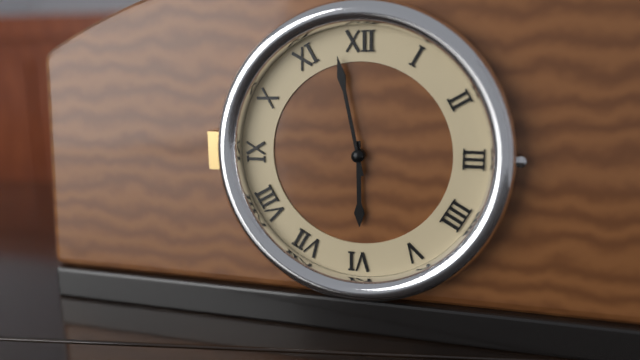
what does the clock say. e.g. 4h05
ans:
5h58
